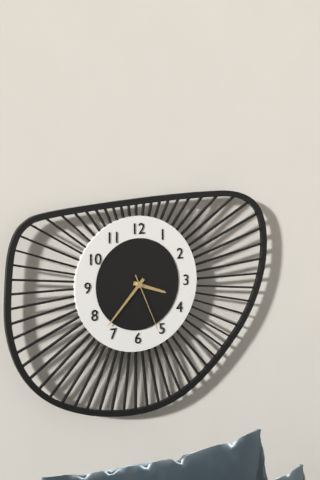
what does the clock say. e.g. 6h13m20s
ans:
3h37m26s
